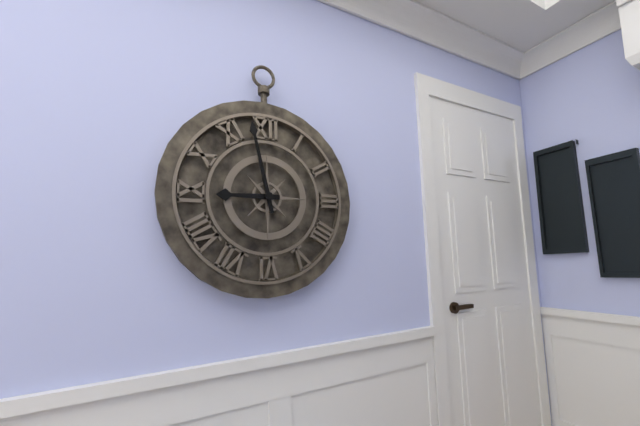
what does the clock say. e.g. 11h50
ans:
8h58
